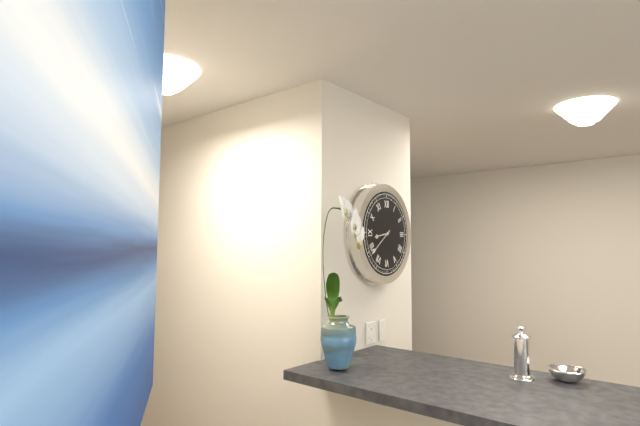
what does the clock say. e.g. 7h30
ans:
8h39
